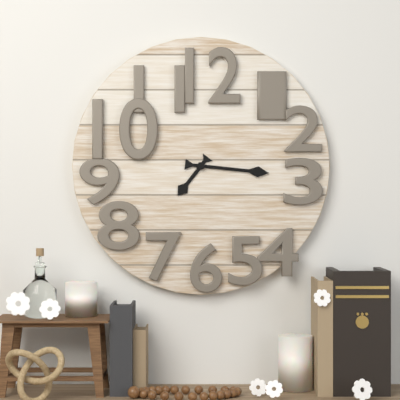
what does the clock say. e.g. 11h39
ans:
7h16
